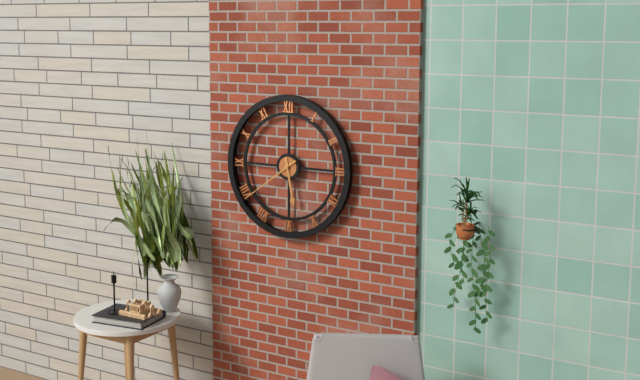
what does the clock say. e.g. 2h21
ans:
5h39
